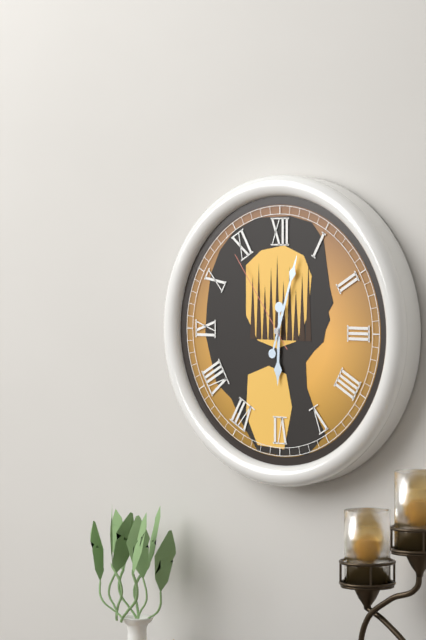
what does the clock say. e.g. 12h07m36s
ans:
6h03m54s
